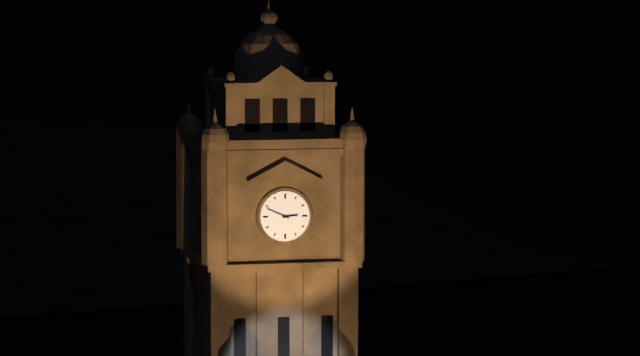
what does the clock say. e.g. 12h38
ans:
2h49
